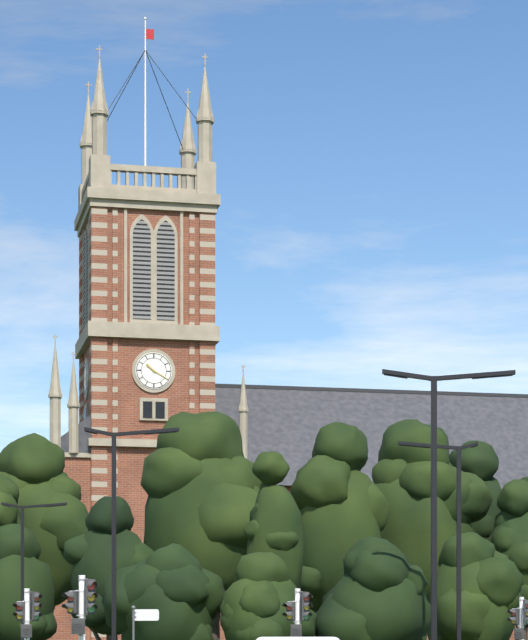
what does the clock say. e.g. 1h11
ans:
10h20
